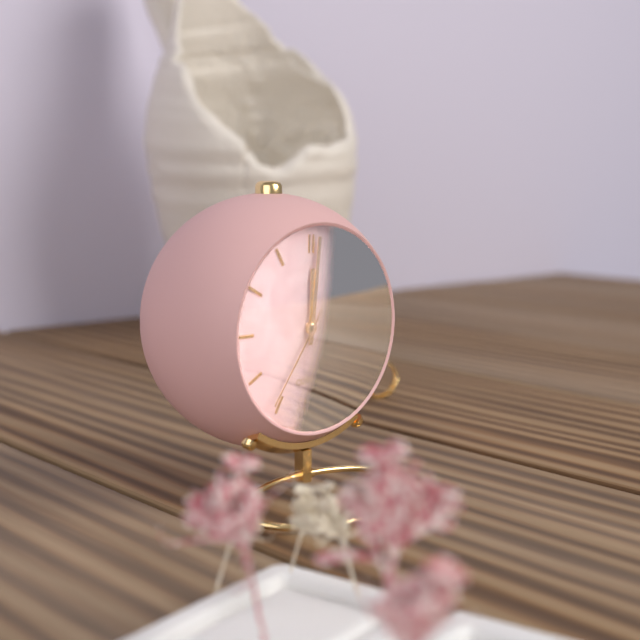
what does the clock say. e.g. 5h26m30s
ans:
12h01m36s
